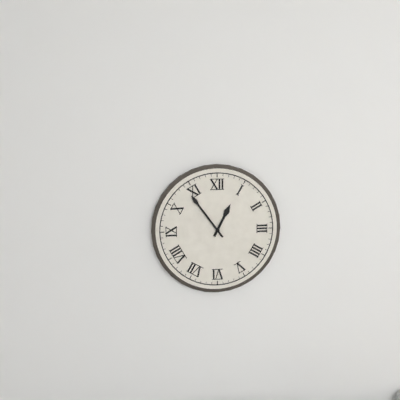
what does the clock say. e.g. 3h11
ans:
12h54
